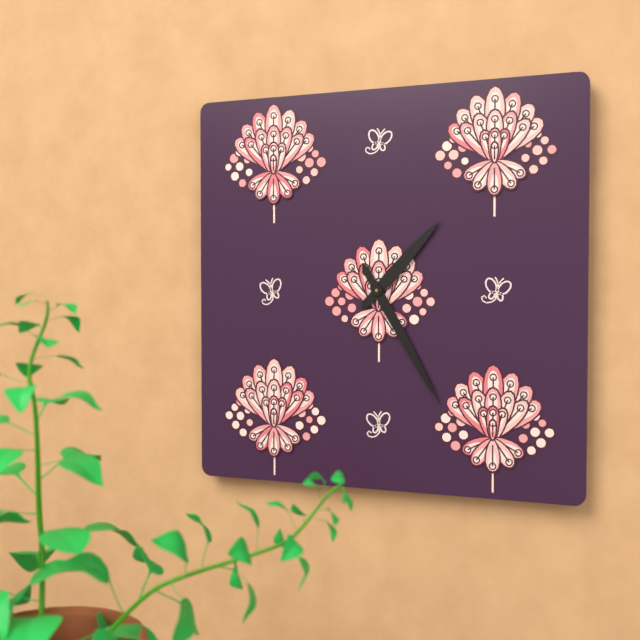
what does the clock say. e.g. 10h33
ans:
1h25
